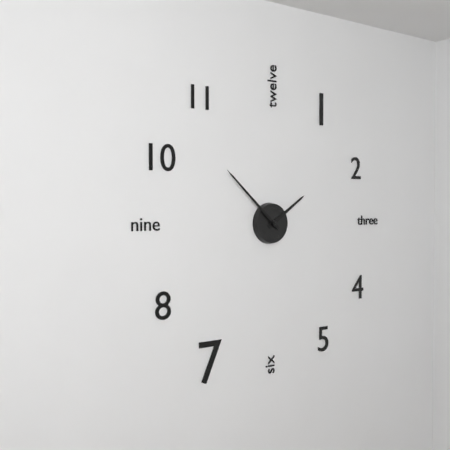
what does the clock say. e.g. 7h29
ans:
1h52
